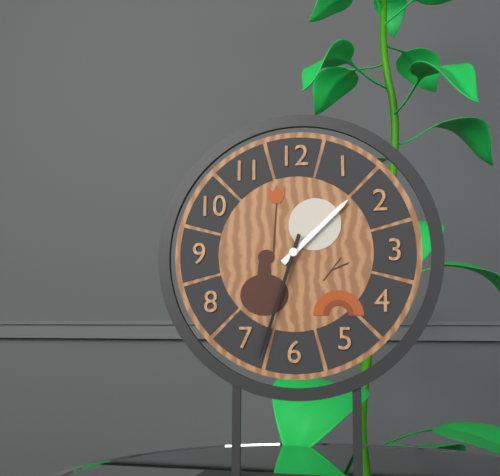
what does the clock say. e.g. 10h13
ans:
1h33
